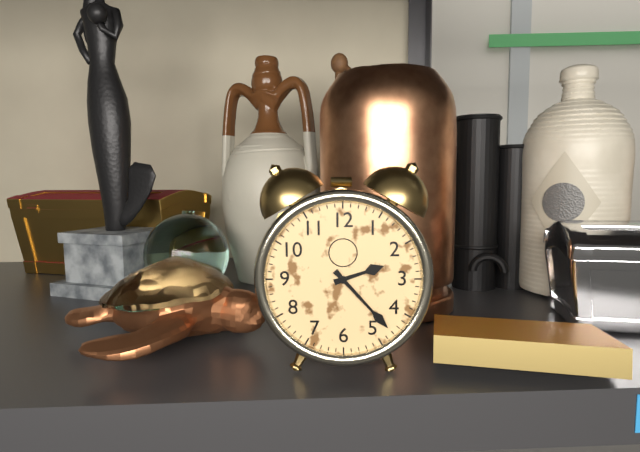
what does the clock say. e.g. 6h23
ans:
2h23
